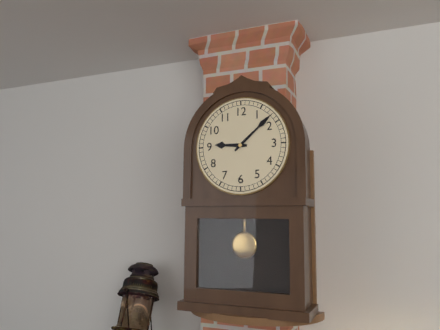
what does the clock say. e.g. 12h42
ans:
9h08
